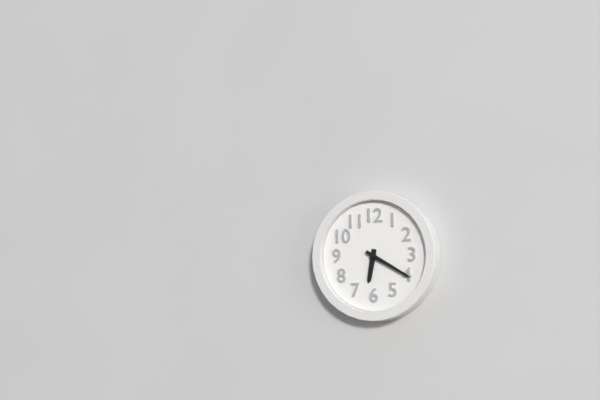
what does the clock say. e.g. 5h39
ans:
6h20
